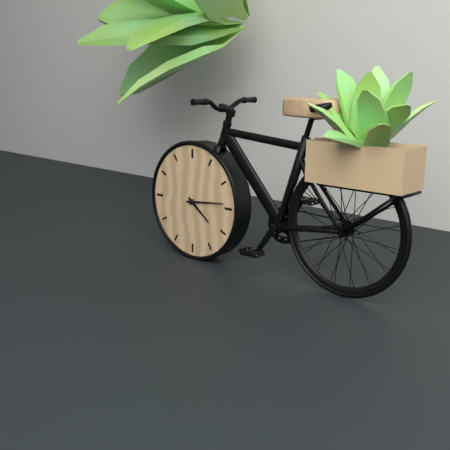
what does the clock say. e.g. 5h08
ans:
4h14
